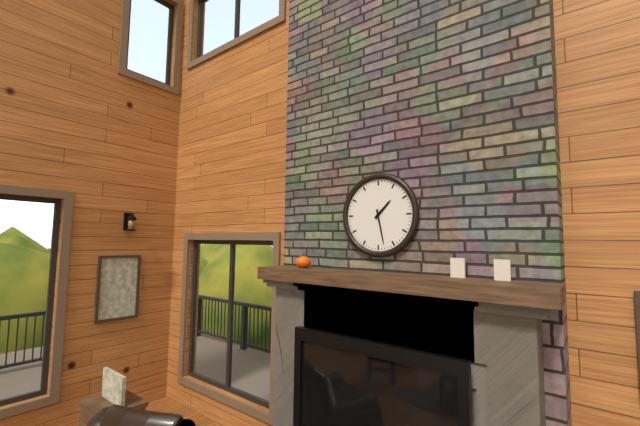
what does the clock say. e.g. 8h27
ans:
1h28
